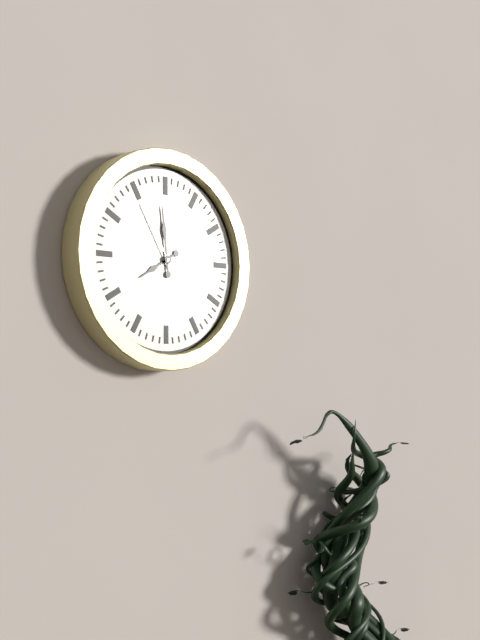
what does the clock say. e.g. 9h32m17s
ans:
7h59m55s
